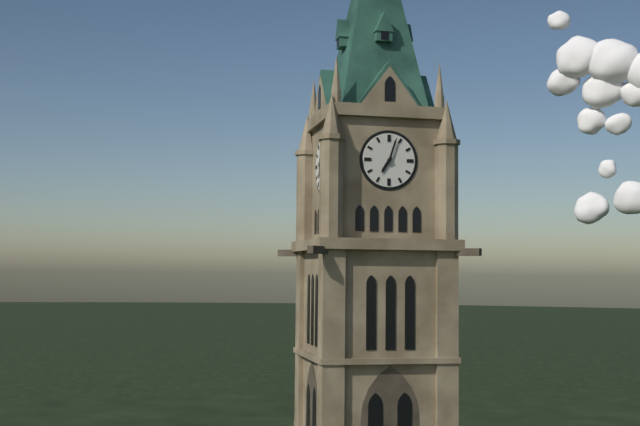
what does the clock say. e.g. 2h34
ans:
7h03
